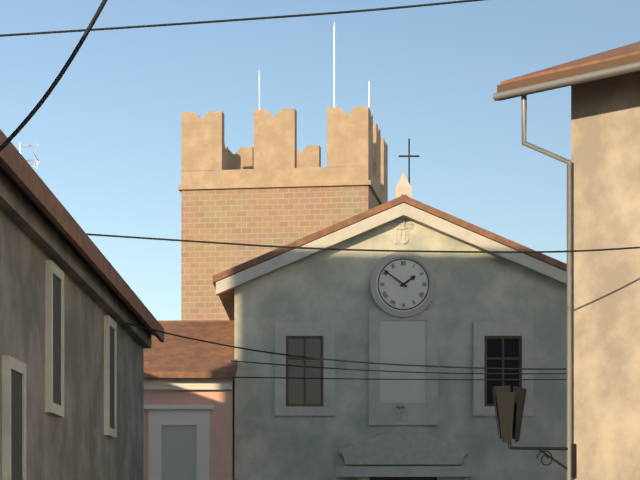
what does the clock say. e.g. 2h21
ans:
1h51
